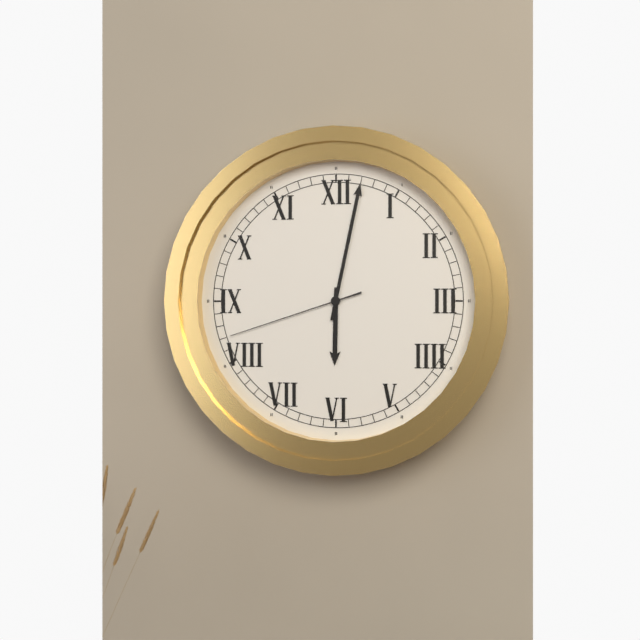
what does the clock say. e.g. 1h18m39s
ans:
6h02m42s
